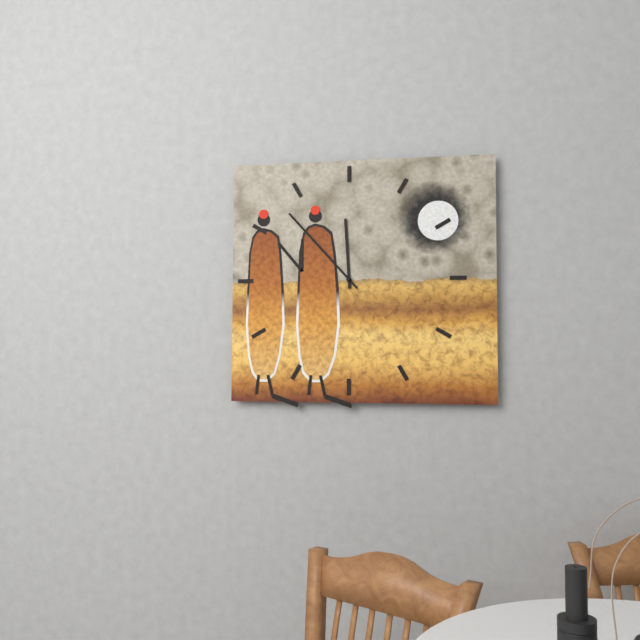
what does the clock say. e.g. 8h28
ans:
11h53
